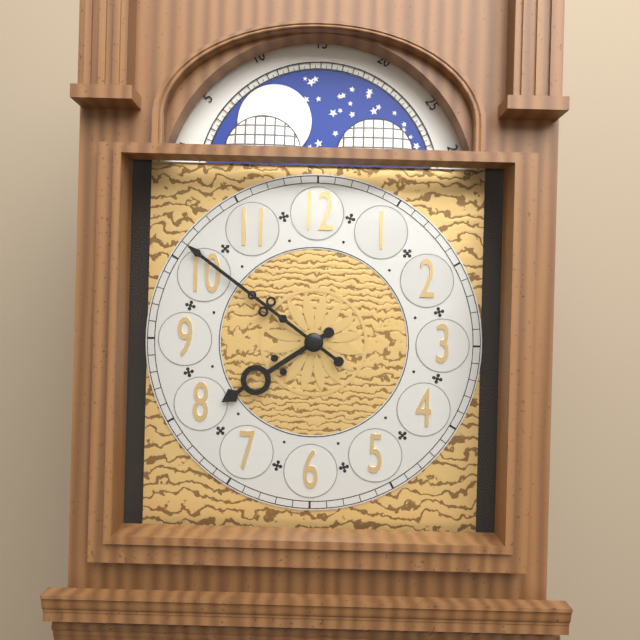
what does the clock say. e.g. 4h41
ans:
7h51
